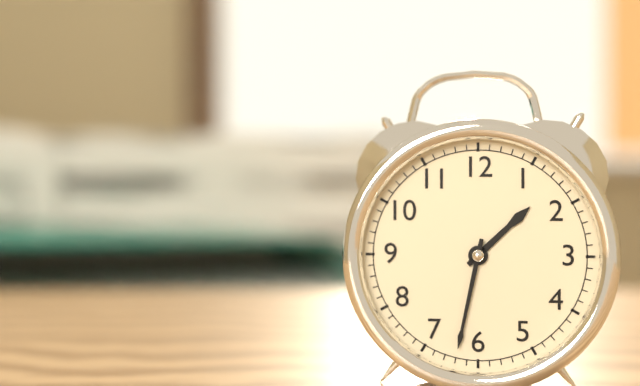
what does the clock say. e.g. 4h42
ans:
1h32
